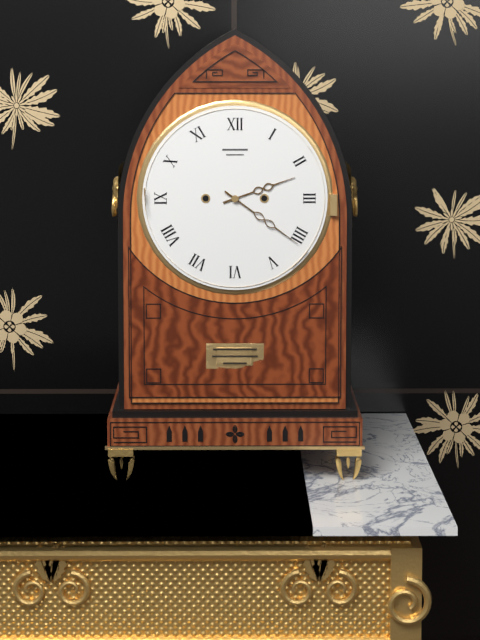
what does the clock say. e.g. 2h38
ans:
2h21
